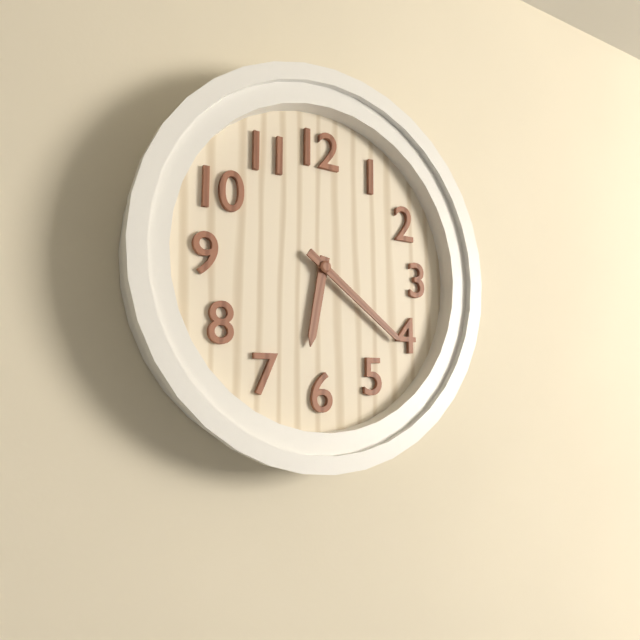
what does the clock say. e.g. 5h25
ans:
6h21
